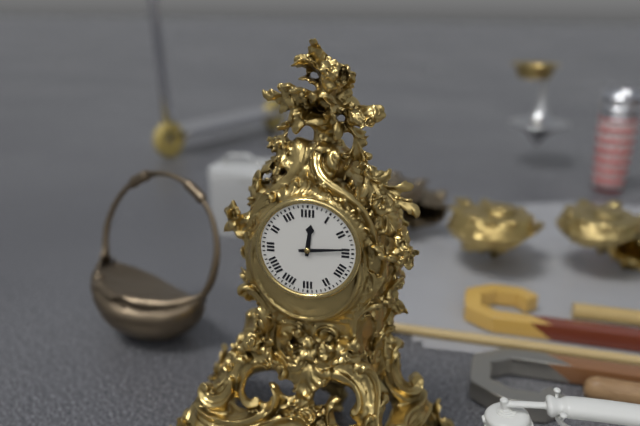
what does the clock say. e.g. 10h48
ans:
12h14
